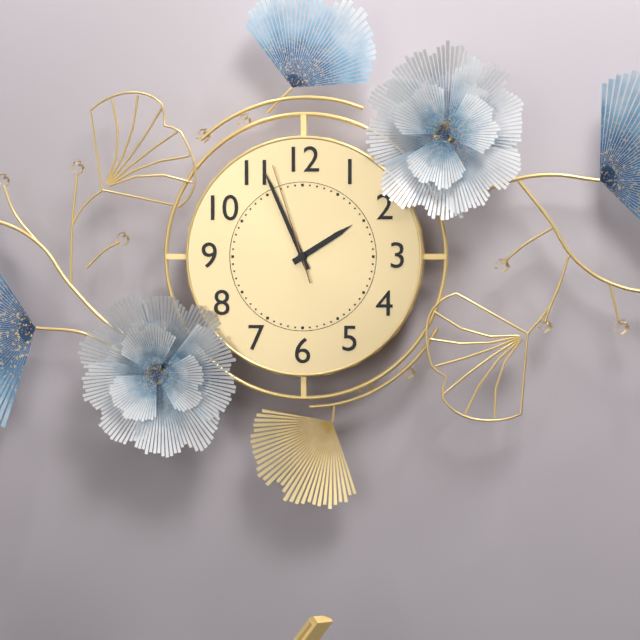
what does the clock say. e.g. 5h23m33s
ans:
1h56m57s
